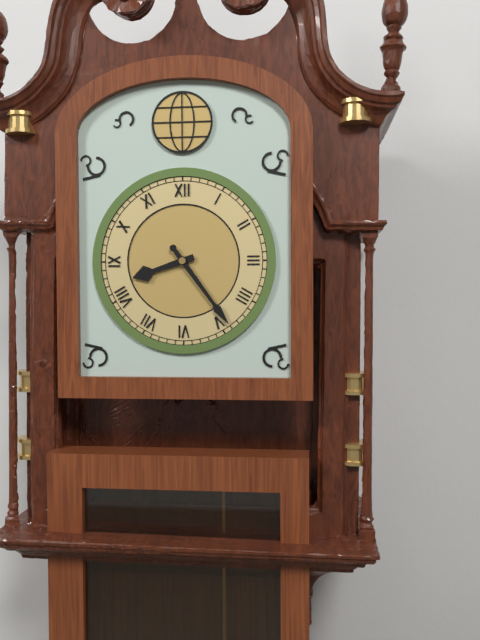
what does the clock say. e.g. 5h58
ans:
8h24
